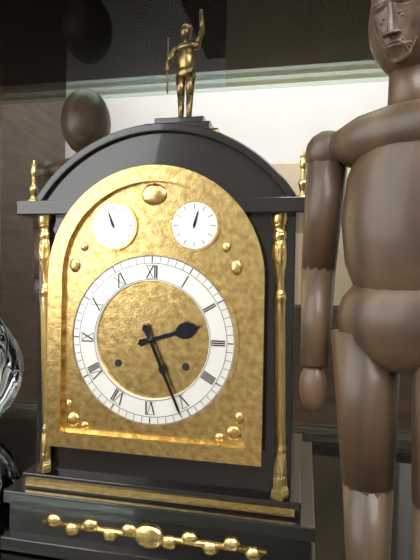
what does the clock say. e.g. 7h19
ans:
2h26
